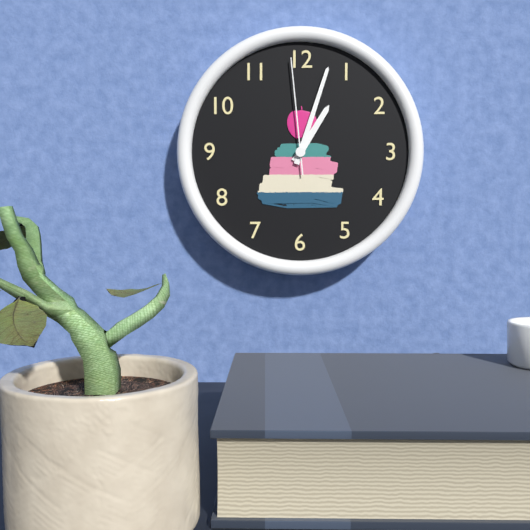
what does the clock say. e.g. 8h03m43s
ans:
1h03m59s
